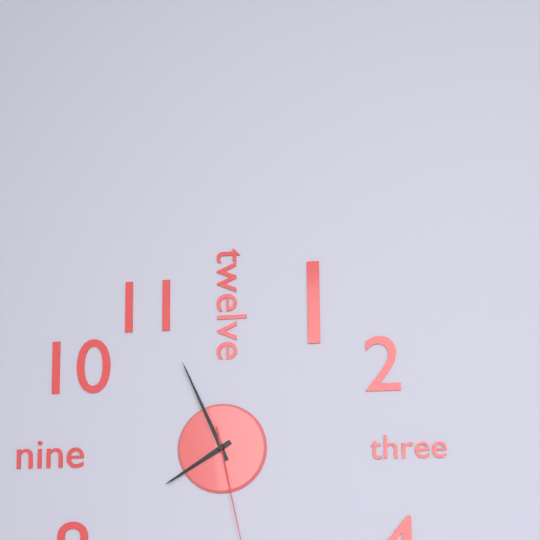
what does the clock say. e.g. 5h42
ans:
7h56
